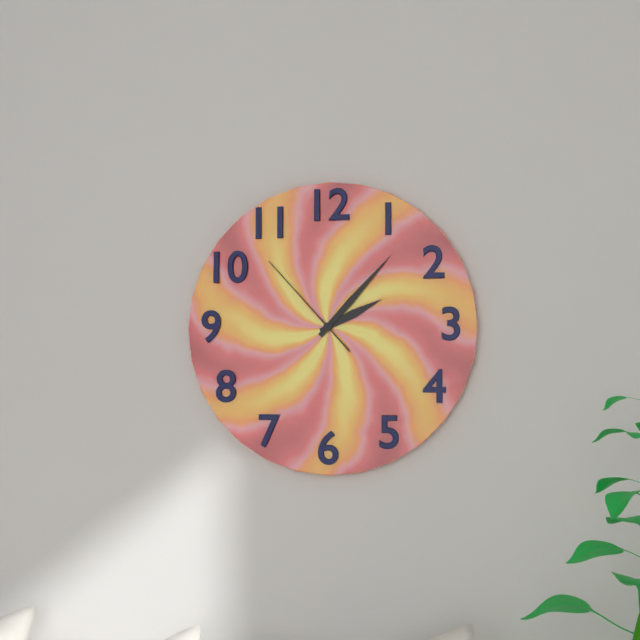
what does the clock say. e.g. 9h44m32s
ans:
2h07m53s
